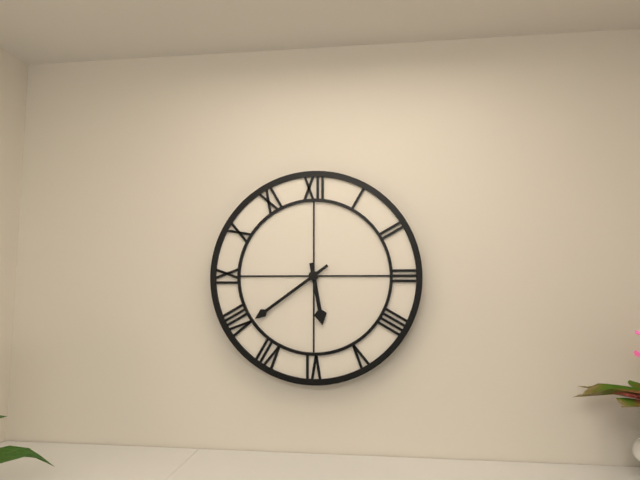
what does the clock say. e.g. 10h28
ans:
5h39
